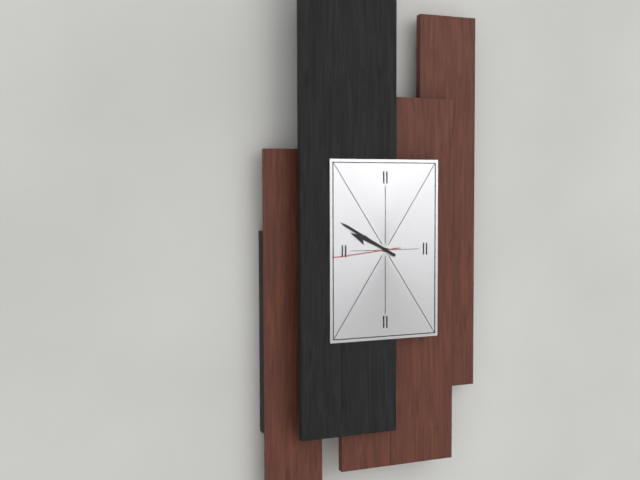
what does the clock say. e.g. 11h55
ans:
9h50
